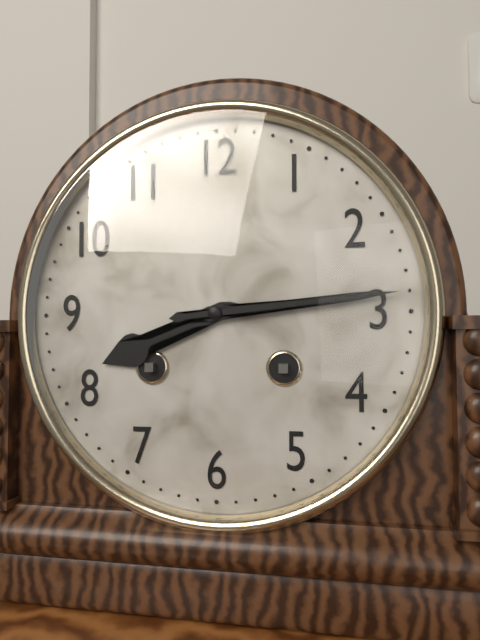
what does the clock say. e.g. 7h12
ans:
8h14
